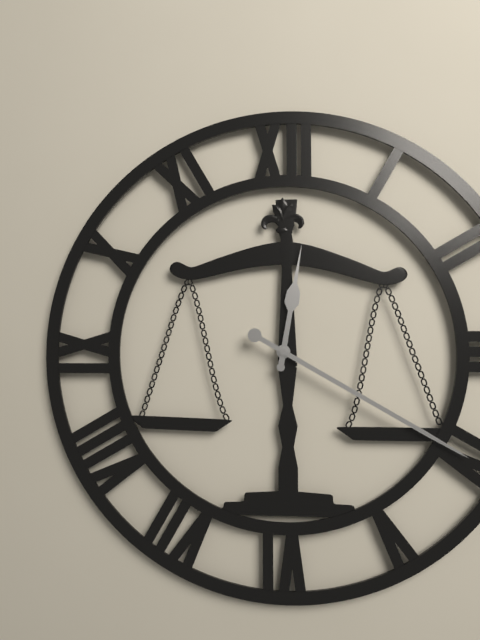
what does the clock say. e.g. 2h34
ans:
12h20
